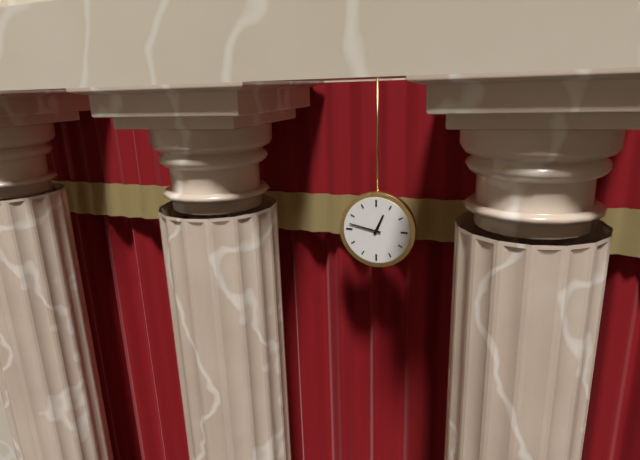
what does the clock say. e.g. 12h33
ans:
12h47
